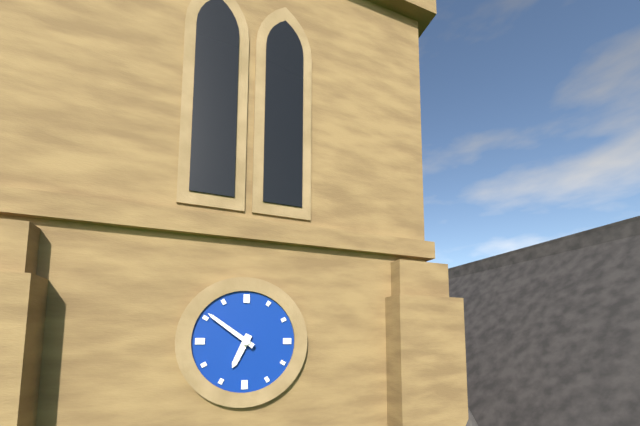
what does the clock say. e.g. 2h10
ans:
6h51
